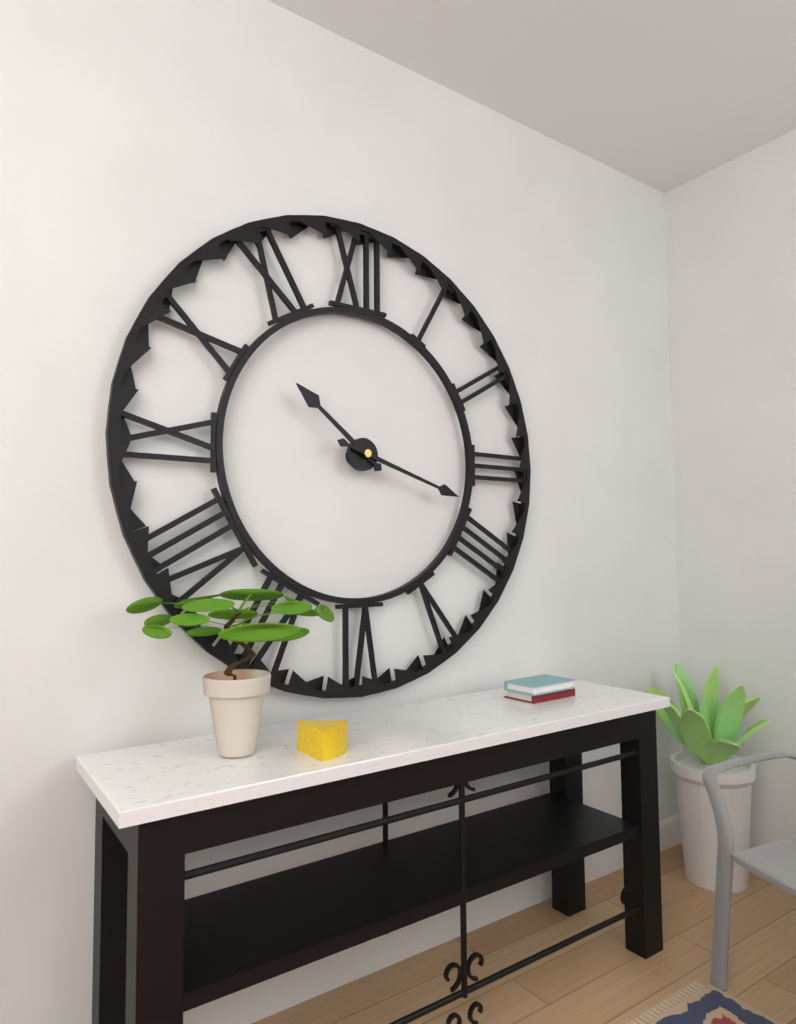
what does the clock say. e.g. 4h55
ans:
10h18
